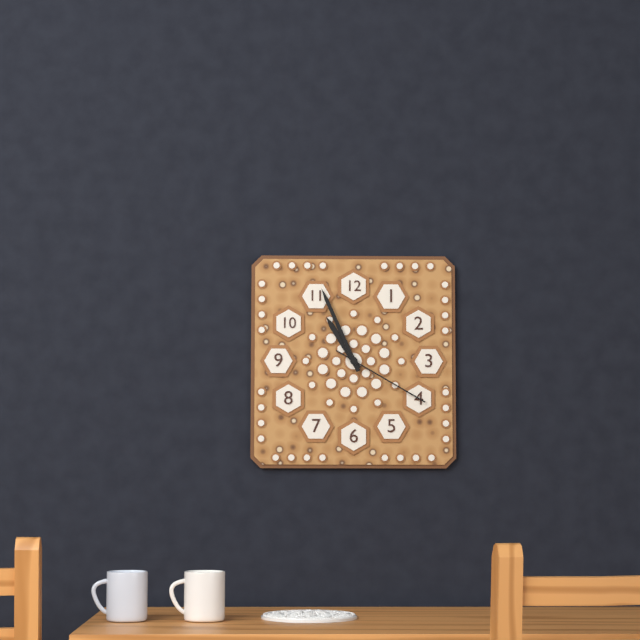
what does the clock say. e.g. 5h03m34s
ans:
10h56m20s
